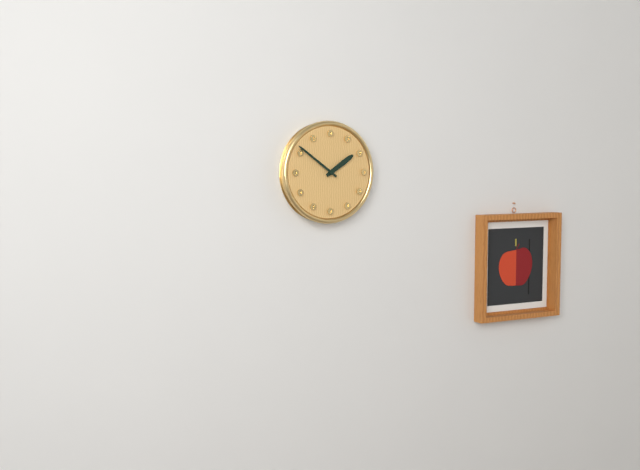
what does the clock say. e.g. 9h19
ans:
1h51
